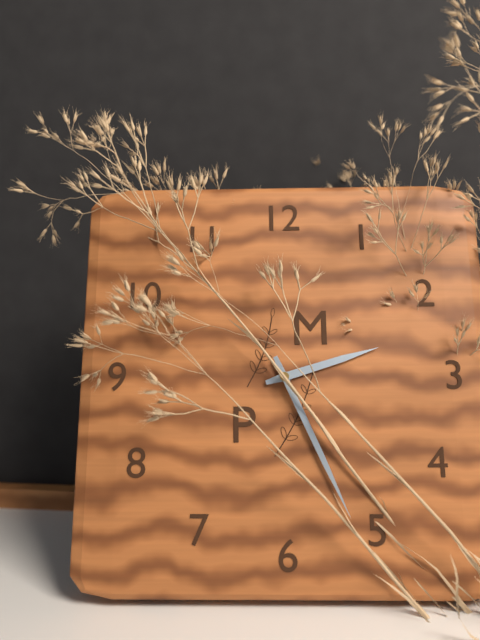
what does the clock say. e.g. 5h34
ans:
2h26
